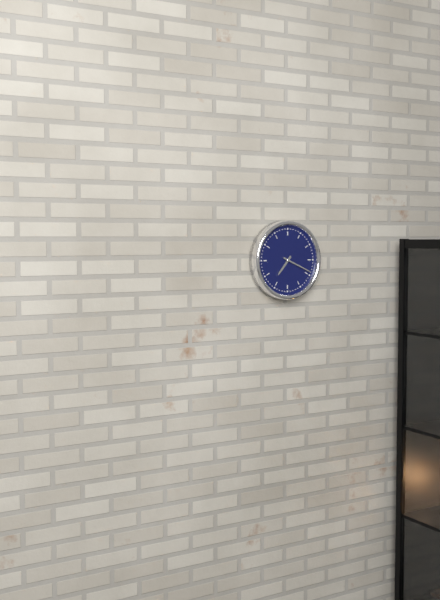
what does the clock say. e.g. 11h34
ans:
7h19
